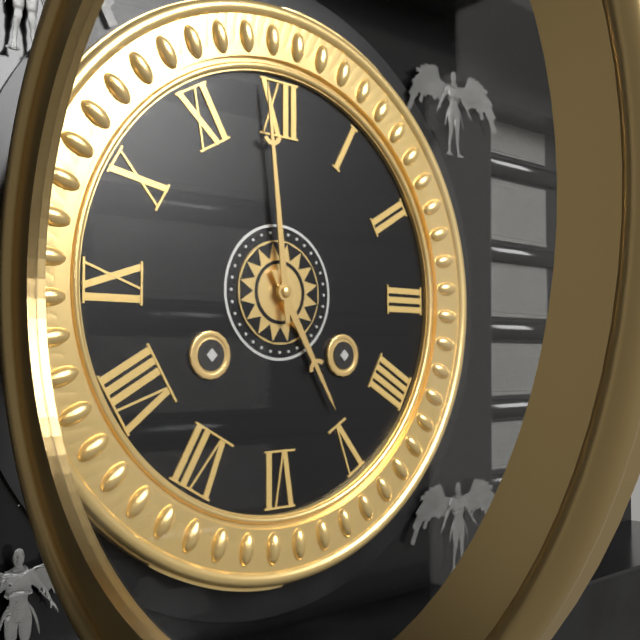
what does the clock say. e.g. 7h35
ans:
4h59
